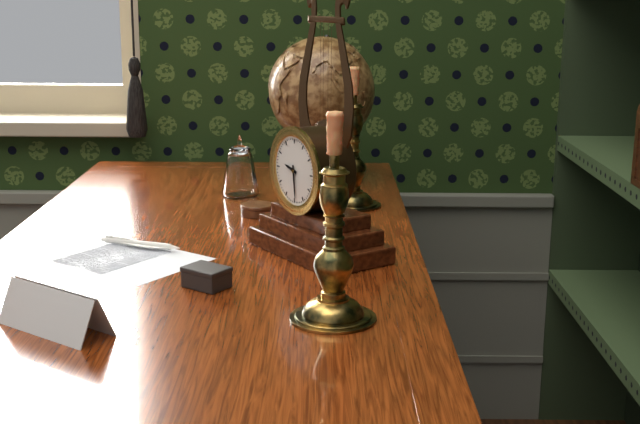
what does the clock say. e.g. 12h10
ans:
9h29
